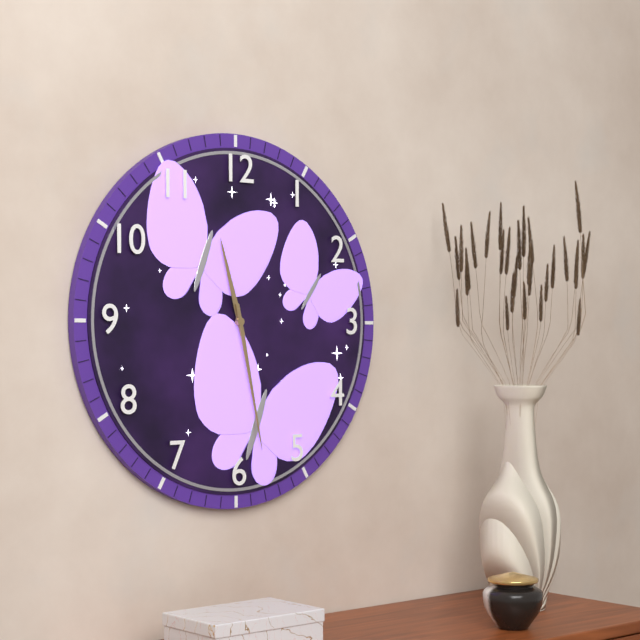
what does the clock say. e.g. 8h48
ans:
11h28
